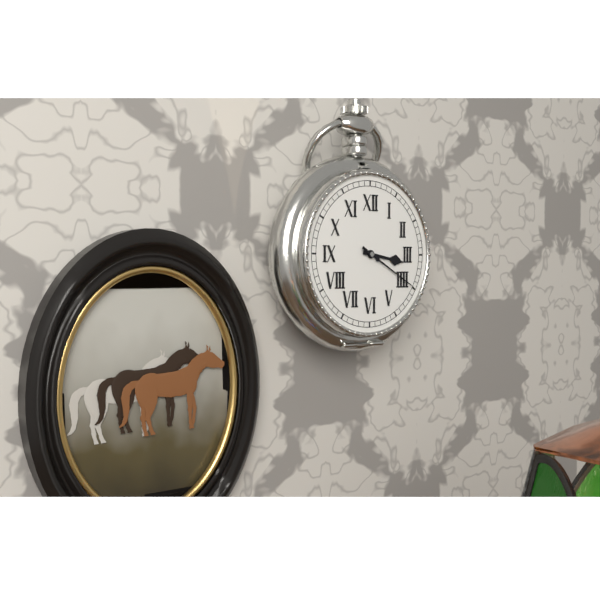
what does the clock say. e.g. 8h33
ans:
3h20
